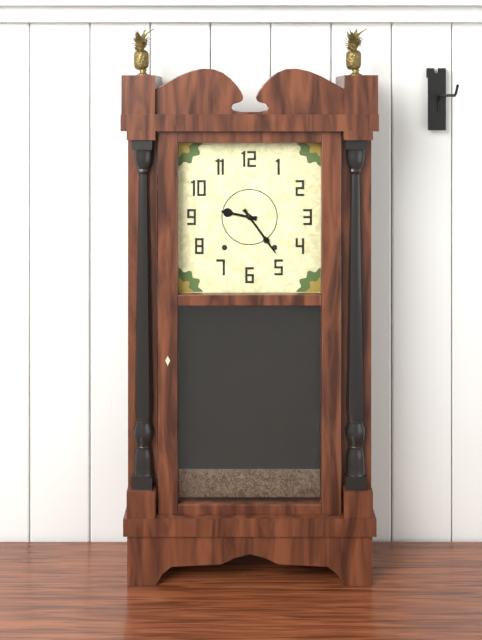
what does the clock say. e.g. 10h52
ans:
9h24
